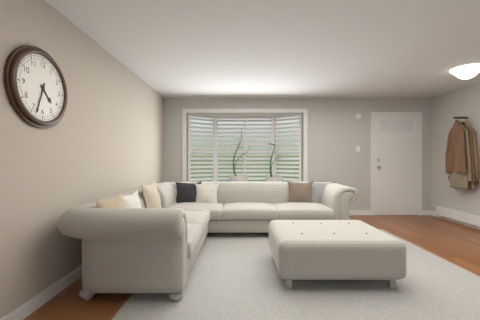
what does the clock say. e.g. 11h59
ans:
4h33
